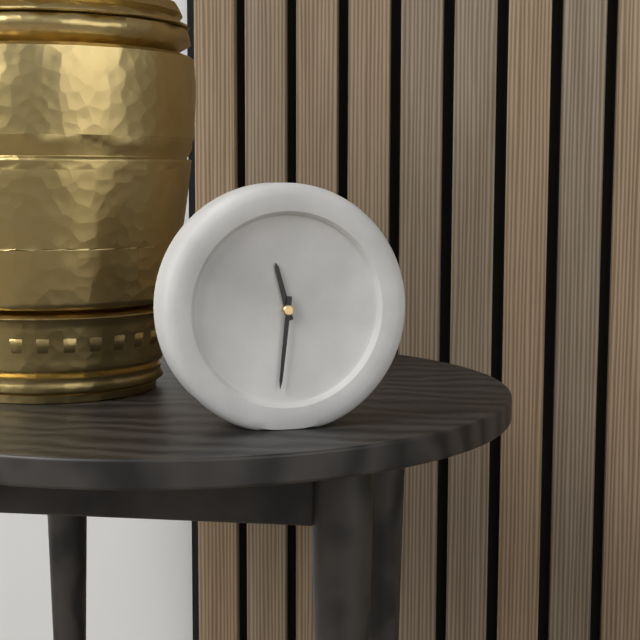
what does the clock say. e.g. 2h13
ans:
11h31
